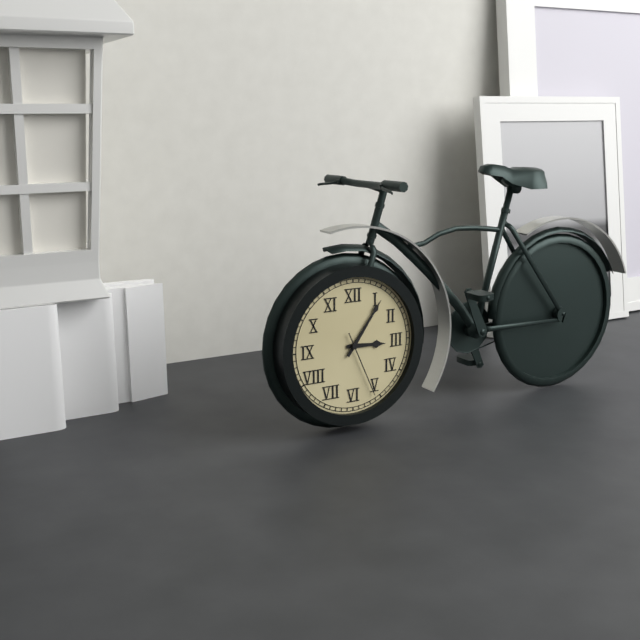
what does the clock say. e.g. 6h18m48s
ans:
3h06m26s
